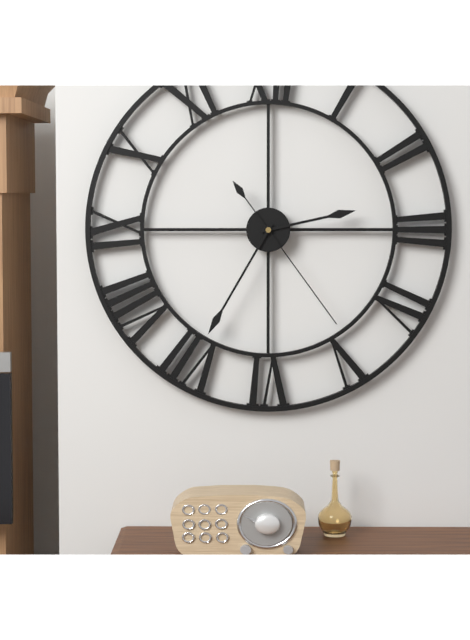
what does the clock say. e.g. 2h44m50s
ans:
2h35m24s
